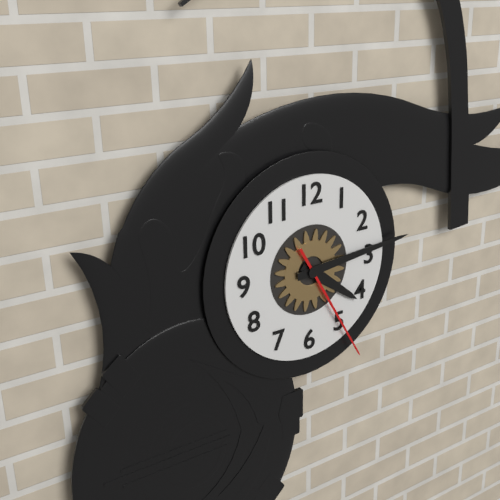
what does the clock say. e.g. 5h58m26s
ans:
4h14m25s
